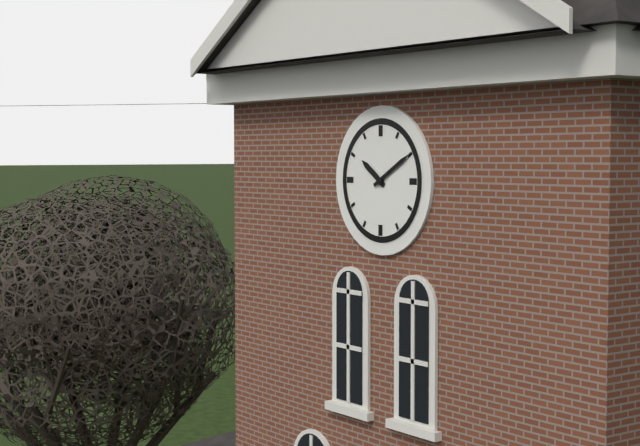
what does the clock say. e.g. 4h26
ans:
10h10
